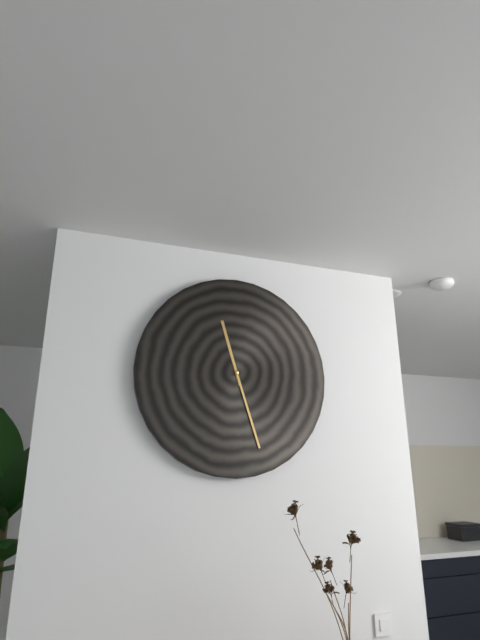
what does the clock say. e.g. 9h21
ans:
11h27
